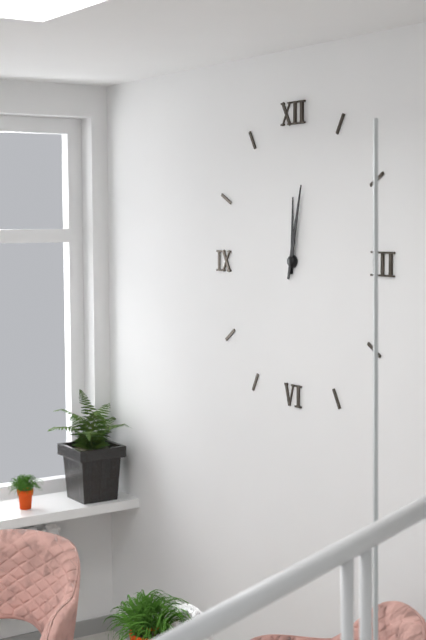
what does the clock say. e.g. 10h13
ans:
12h02
